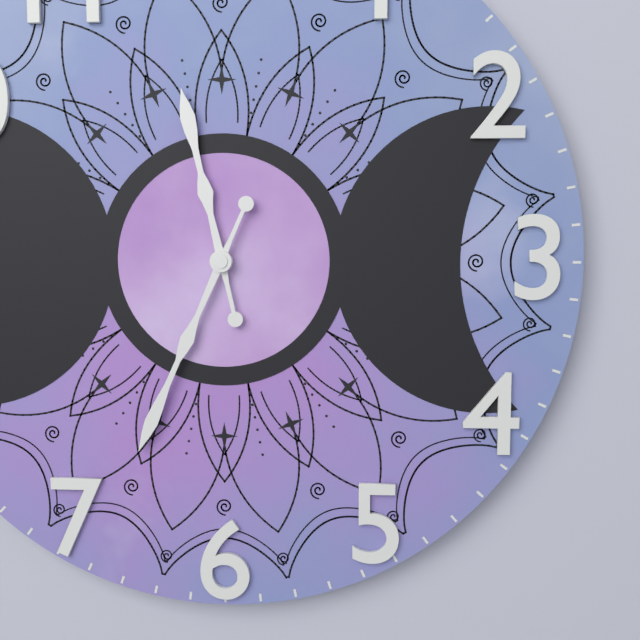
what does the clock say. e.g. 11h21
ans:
11h34
